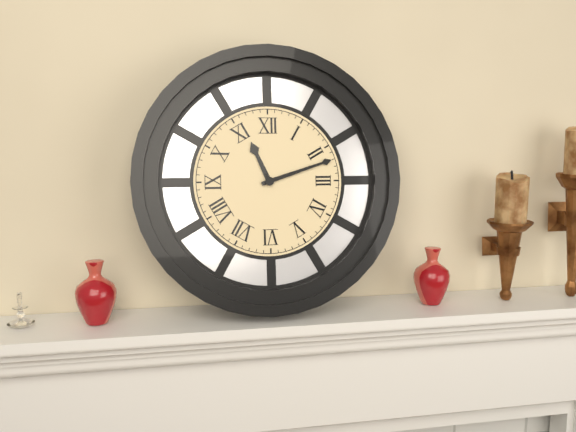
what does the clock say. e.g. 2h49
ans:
11h12
